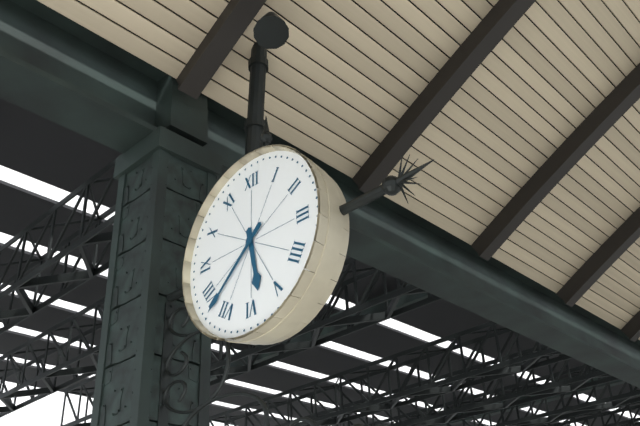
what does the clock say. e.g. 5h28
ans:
5h38
